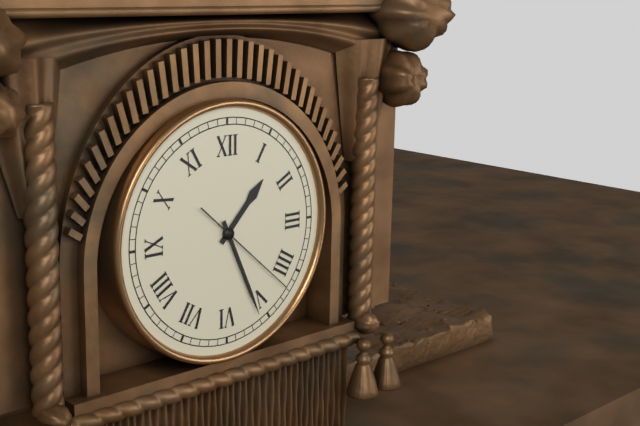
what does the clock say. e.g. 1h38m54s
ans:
1h26m22s
